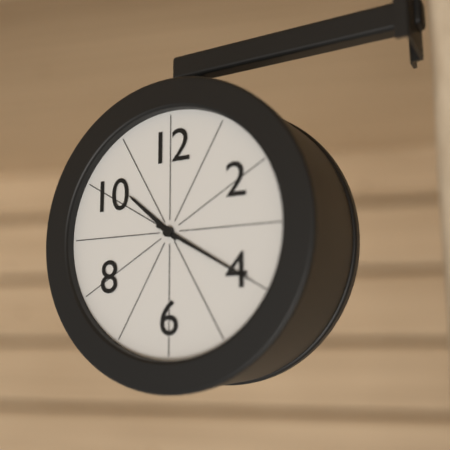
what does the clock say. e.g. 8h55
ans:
10h20
